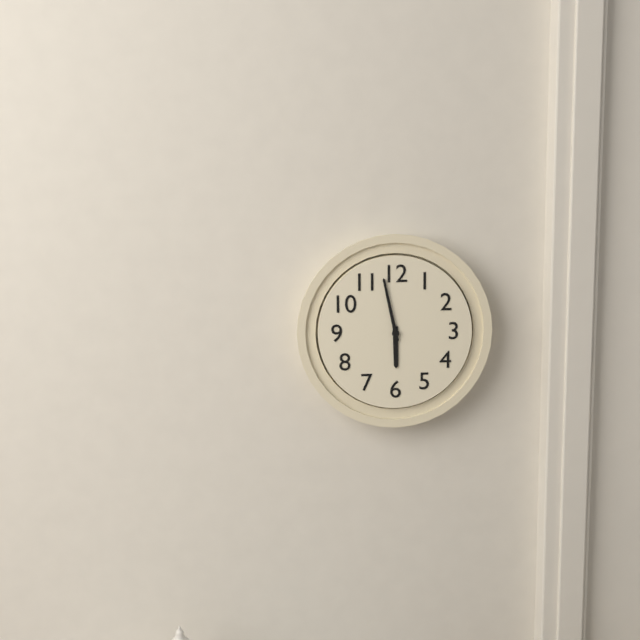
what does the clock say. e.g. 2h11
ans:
5h58
